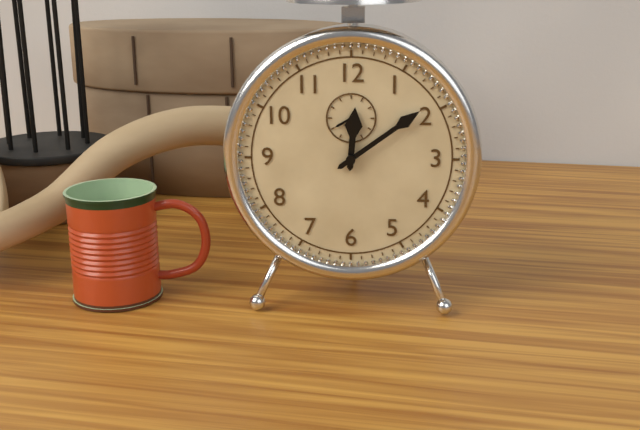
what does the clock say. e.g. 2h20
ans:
12h09
